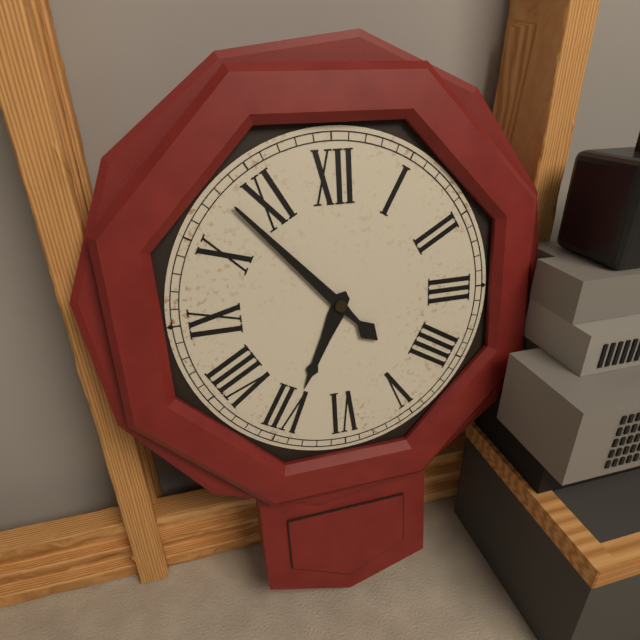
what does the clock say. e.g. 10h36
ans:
6h53
